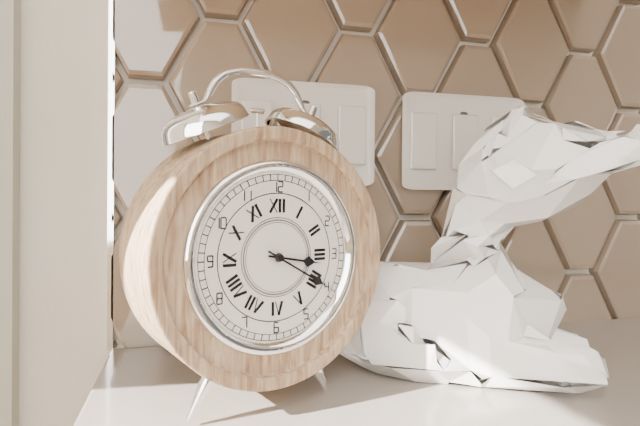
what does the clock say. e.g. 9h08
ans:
3h20
